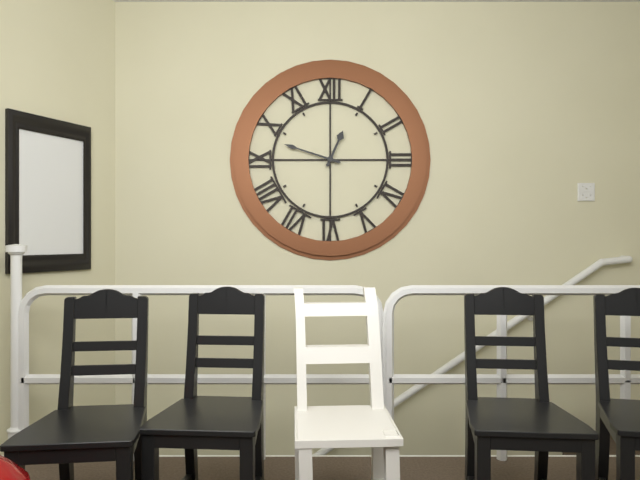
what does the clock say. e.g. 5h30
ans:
12h48
